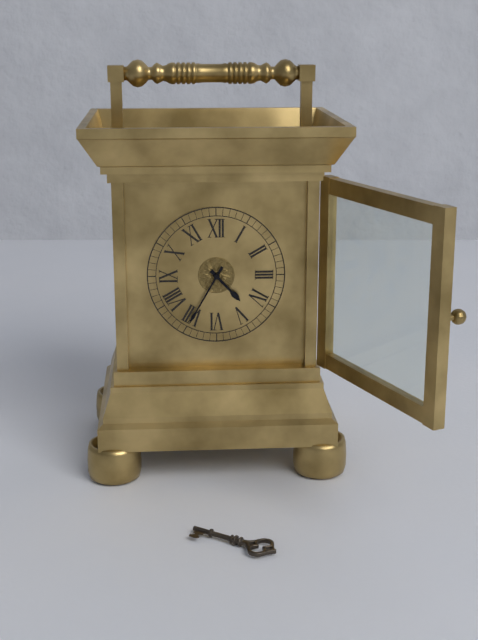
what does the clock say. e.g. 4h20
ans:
4h35
